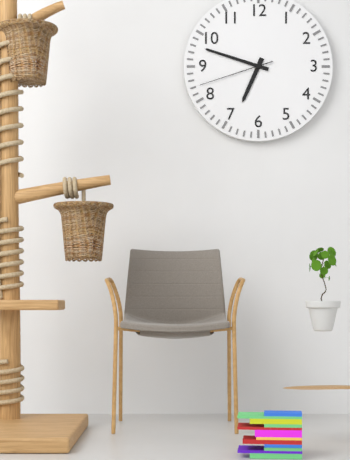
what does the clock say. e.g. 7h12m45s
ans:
6h48m42s
